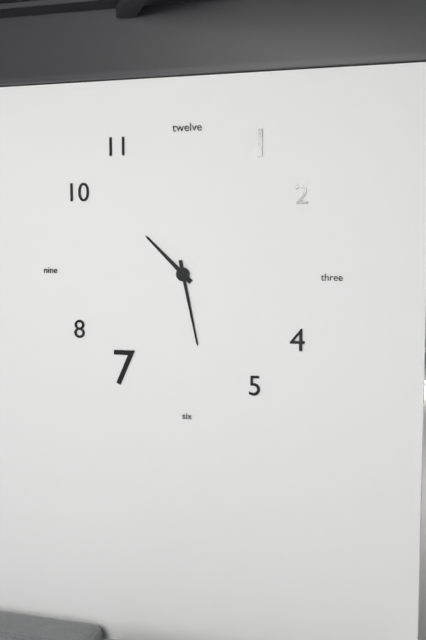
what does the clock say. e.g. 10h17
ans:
10h28
